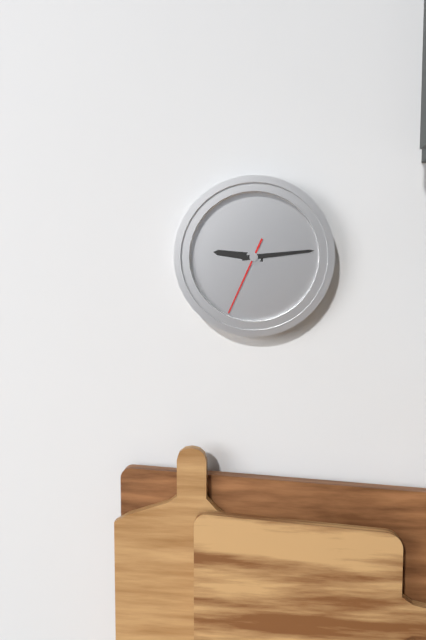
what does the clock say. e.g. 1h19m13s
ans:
9h14m34s
